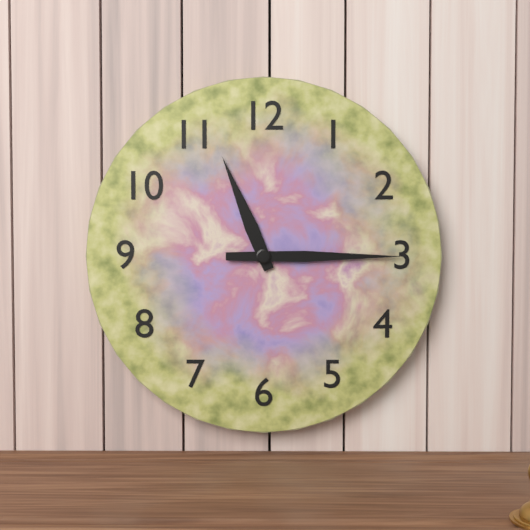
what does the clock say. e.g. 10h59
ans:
11h15
